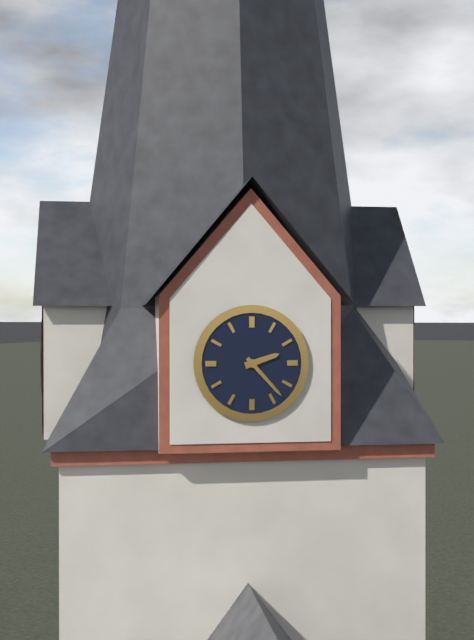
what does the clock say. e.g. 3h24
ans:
2h23
